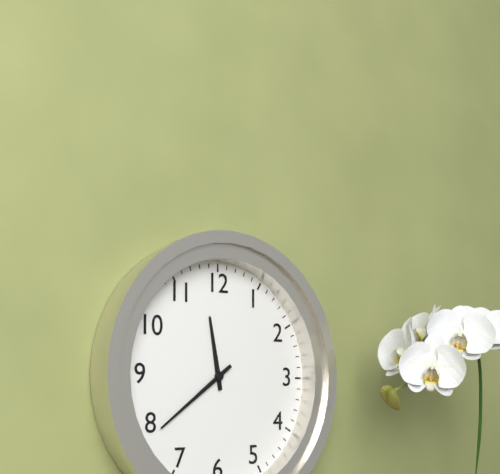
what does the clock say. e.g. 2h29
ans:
11h39
